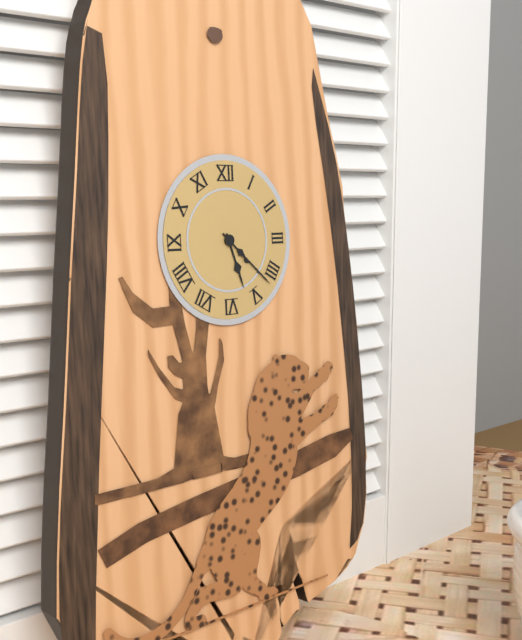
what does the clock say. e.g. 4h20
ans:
5h22
